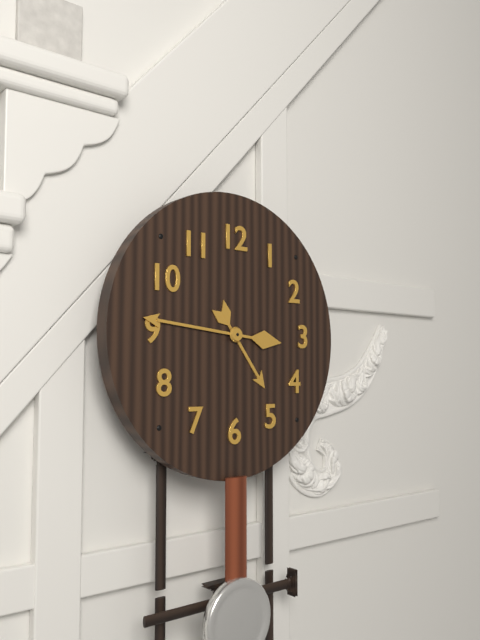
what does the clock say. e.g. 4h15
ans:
4h46
